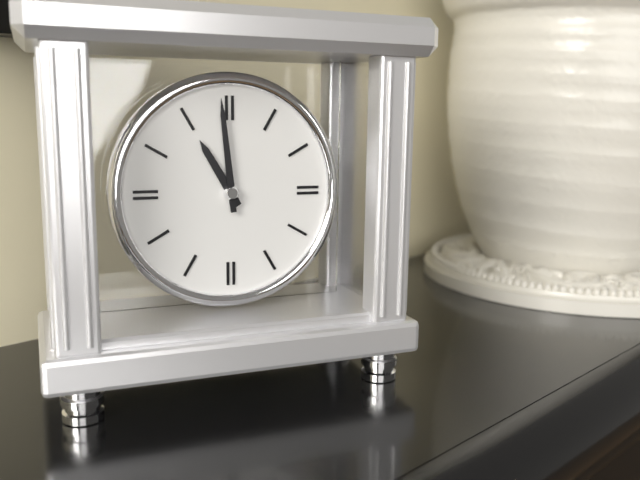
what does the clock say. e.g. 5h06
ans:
10h59
